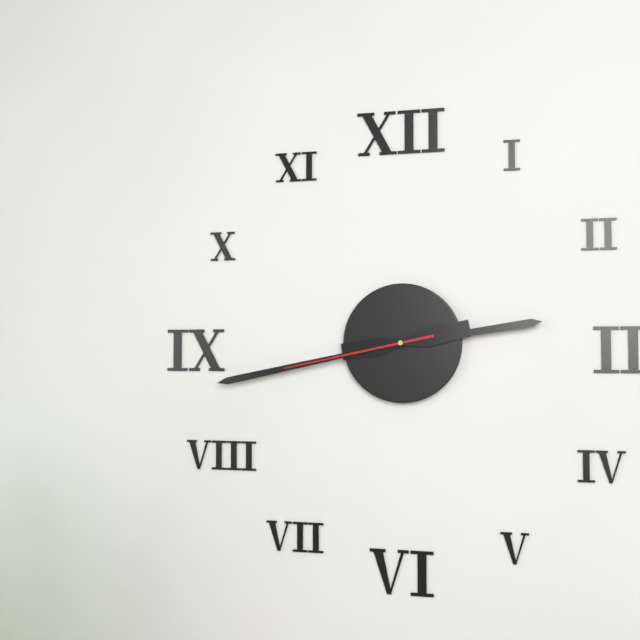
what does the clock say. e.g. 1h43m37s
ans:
2h43m43s
